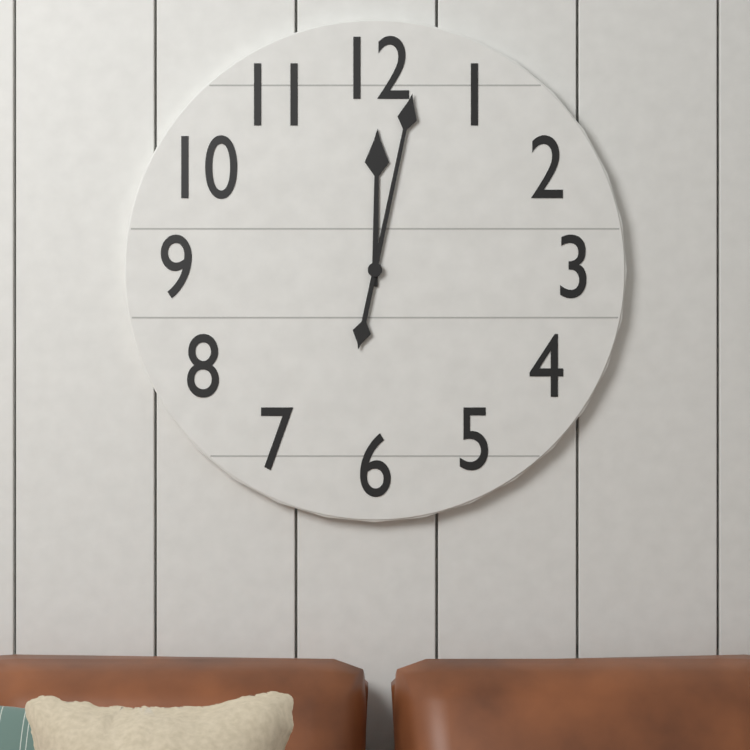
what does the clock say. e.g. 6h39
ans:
12h02
